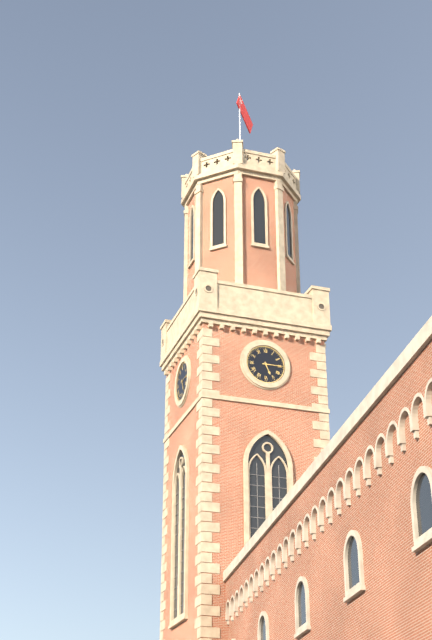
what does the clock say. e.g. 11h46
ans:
5h15
